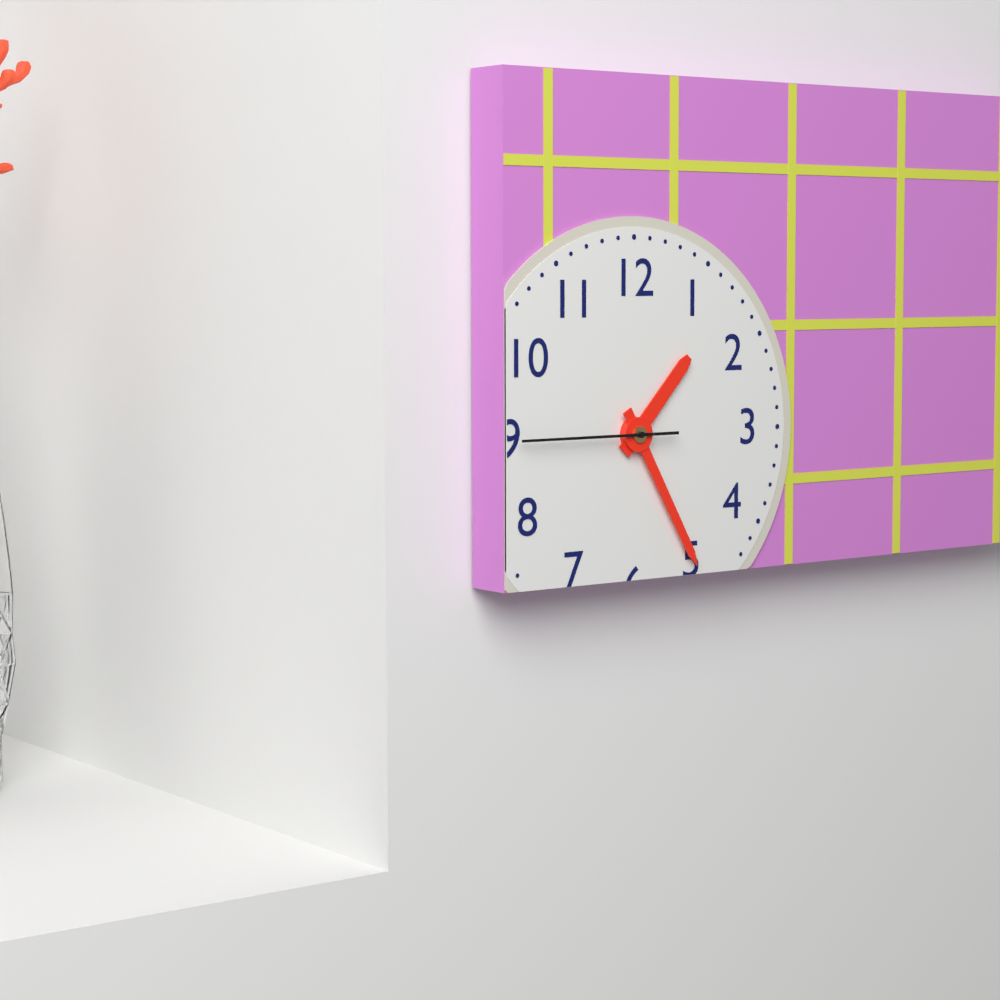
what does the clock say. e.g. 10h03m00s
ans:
1h25m45s
